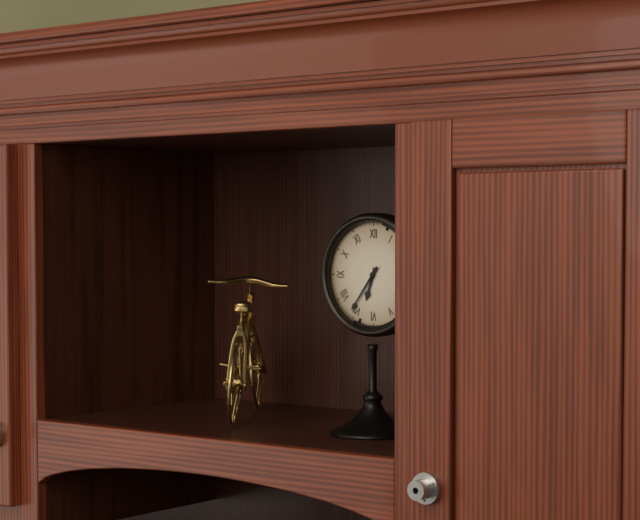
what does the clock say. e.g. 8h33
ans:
6h36
